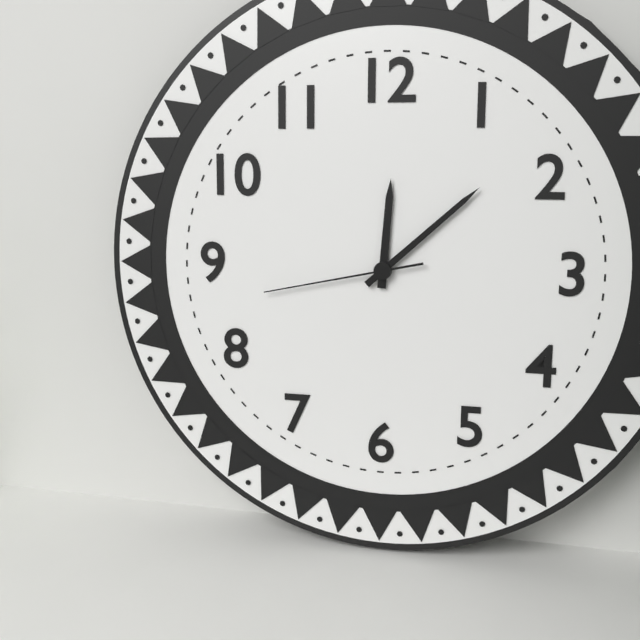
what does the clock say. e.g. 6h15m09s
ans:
12h08m43s
